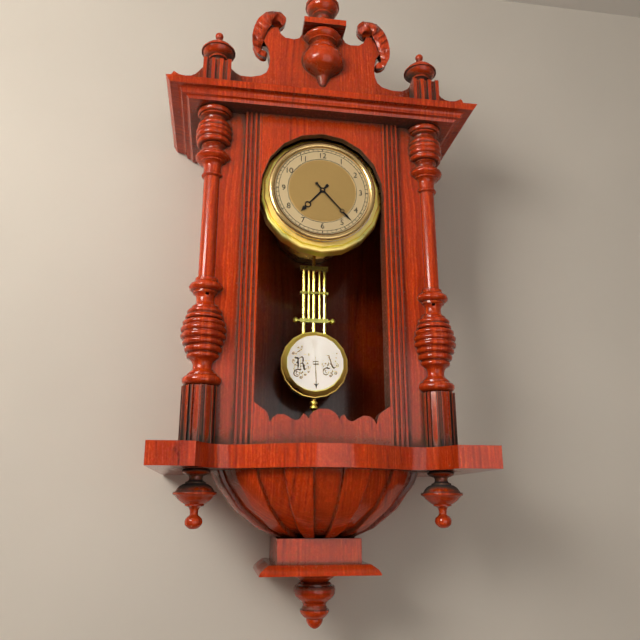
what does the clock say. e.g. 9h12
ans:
7h23
